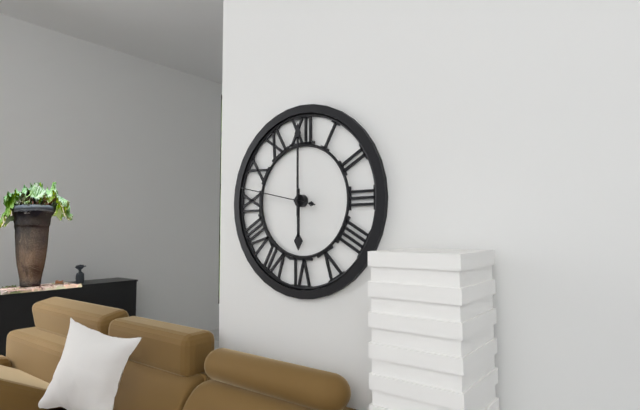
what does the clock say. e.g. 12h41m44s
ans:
6h00m47s
